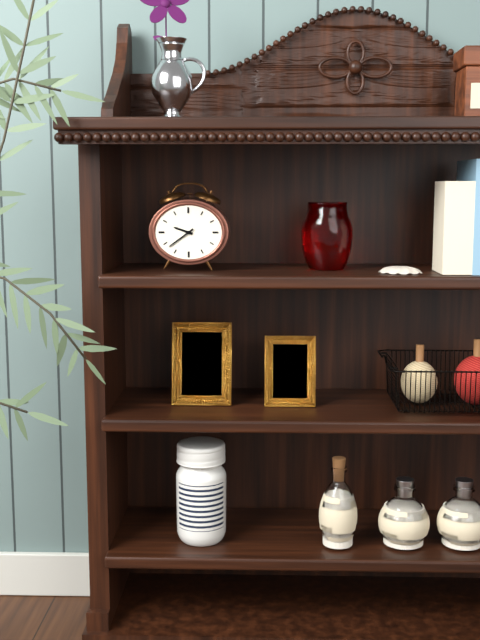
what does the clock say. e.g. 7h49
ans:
9h39
